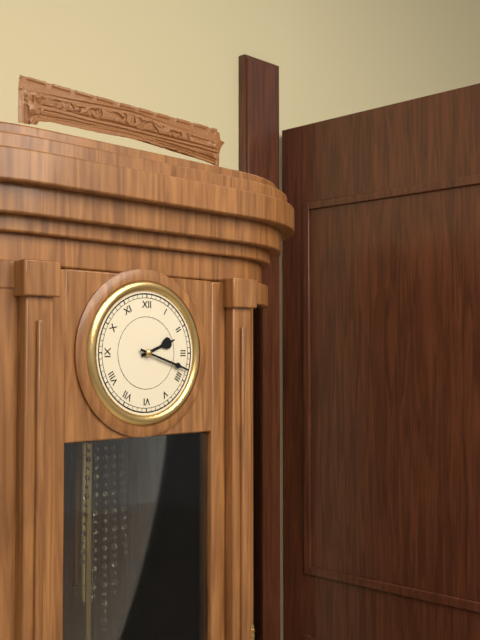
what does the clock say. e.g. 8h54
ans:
2h18
